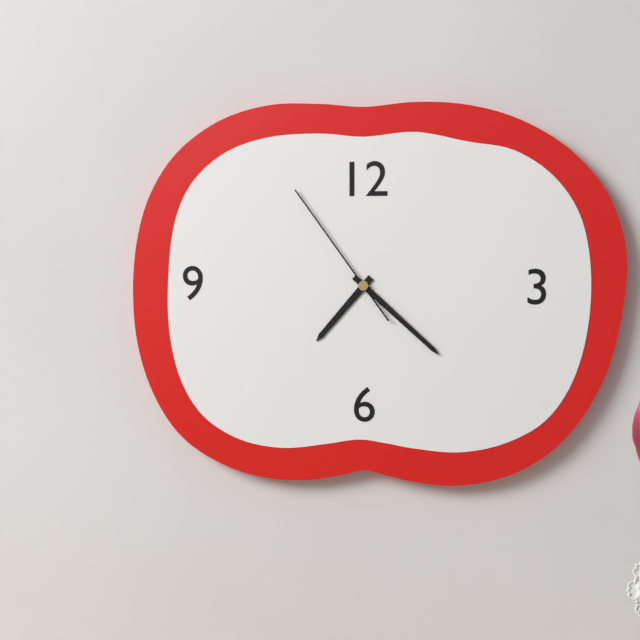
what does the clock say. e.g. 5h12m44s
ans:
7h22m54s
